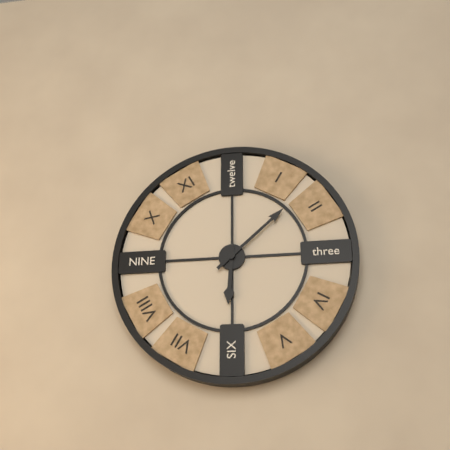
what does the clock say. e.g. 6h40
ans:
6h08
